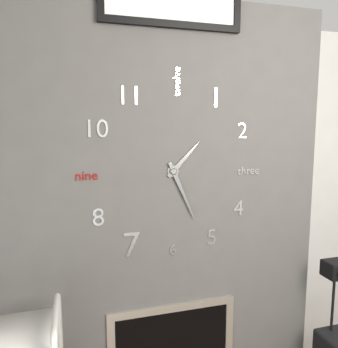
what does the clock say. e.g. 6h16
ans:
1h26
